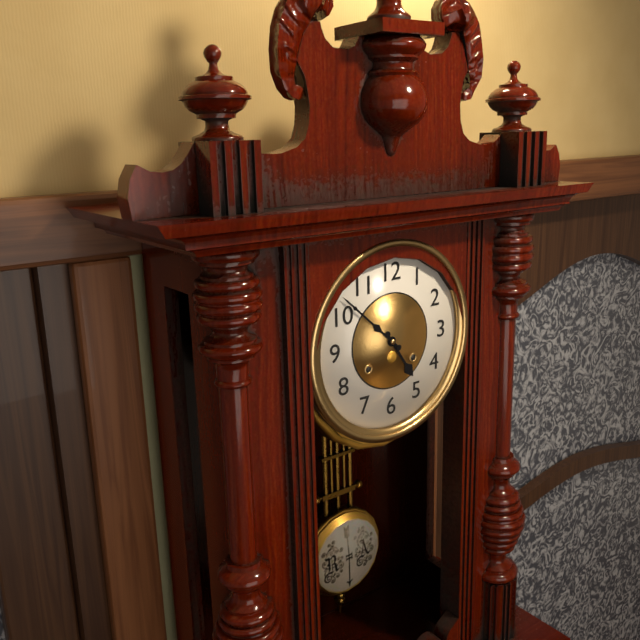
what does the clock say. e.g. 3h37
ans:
4h52
